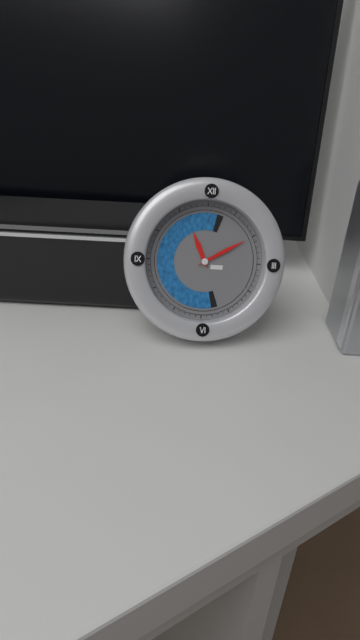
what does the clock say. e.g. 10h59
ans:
11h10
